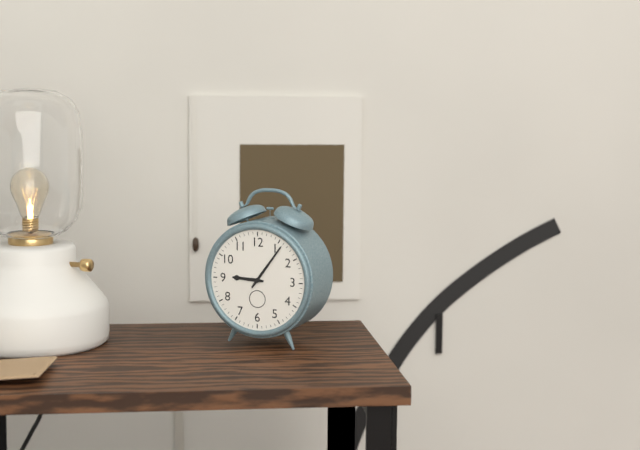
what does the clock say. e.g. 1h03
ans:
9h06
